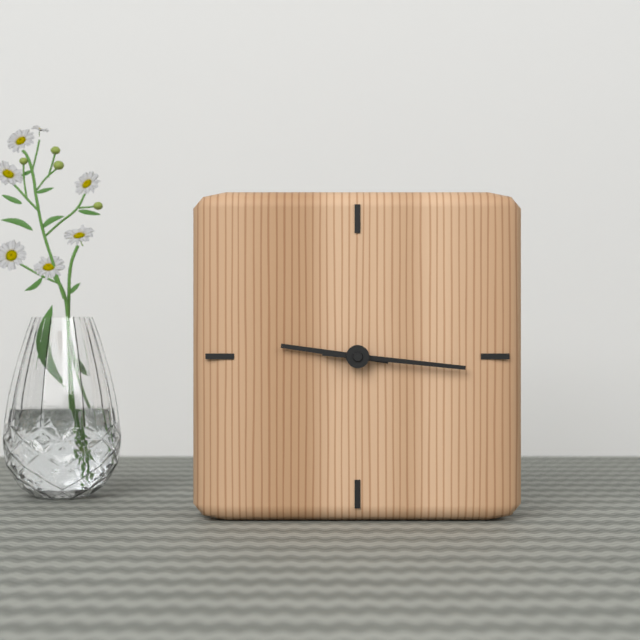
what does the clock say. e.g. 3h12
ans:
9h16
